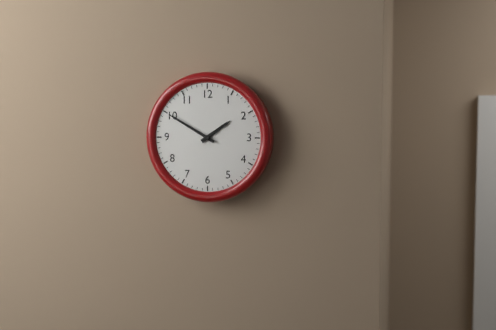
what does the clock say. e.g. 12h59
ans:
1h50
